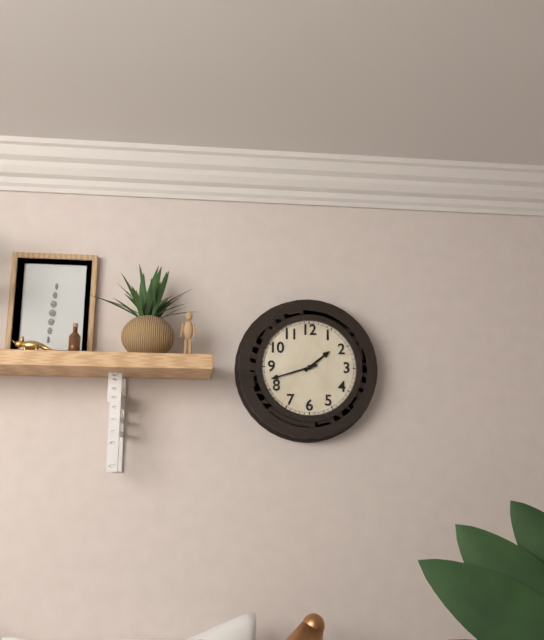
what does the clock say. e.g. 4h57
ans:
1h42
